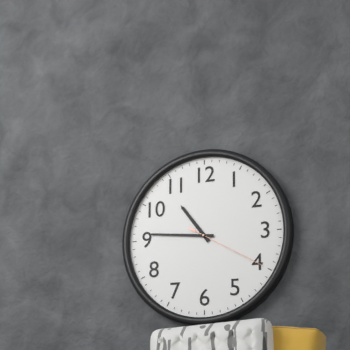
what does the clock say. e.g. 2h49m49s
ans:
10h46m20s
